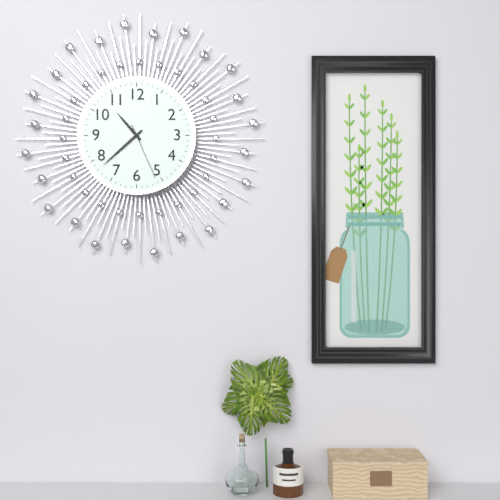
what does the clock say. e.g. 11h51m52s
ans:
10h38m26s
